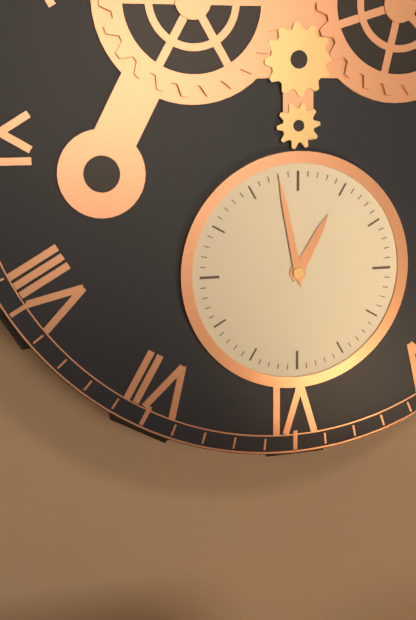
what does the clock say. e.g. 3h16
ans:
12h58
